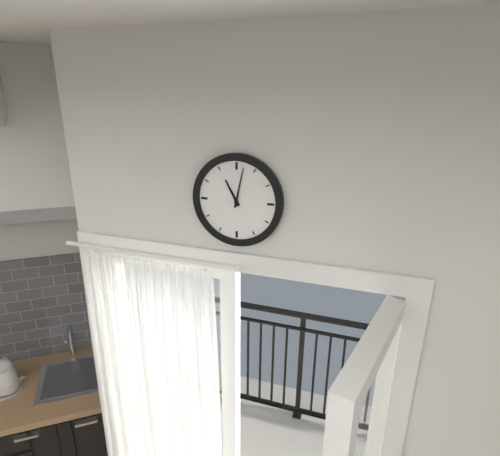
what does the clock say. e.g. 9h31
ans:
11h02
